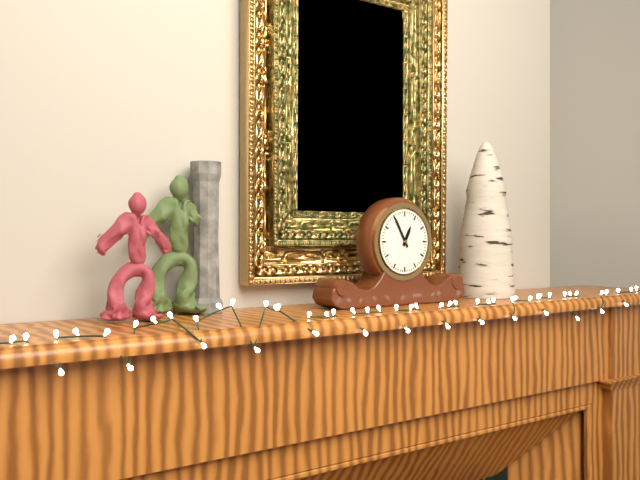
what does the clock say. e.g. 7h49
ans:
12h55
